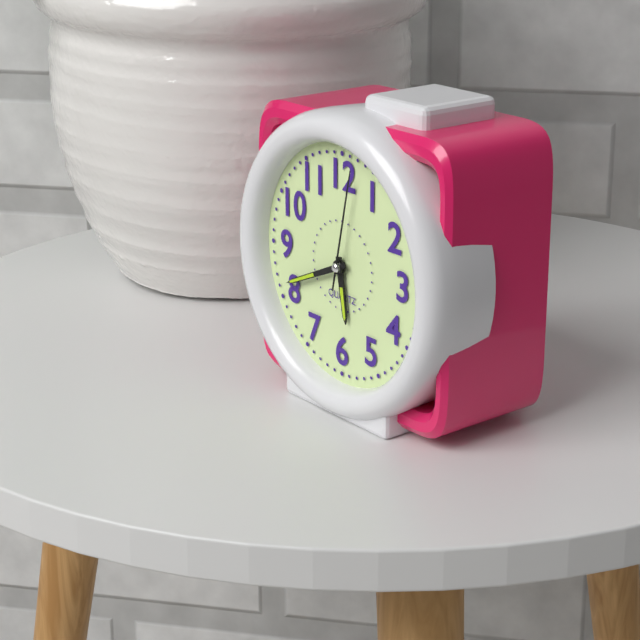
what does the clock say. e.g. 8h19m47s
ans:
5h41m02s
